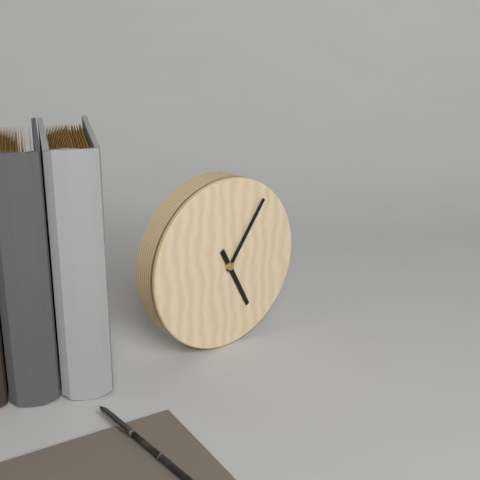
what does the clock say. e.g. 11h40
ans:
5h06
